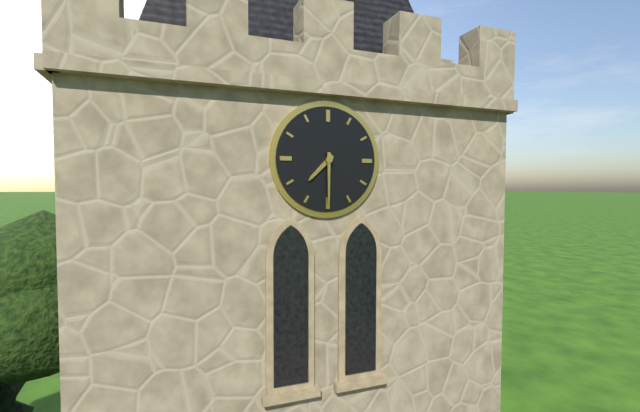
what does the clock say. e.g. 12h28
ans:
7h30
